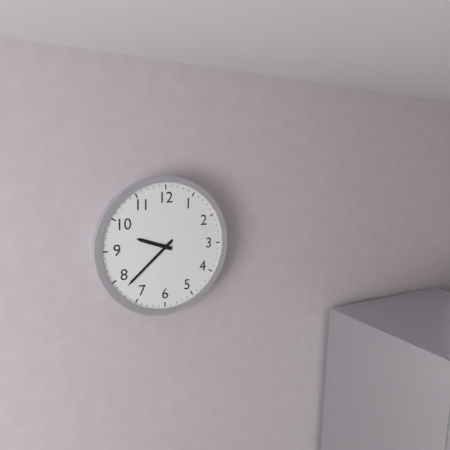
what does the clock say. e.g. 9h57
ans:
9h38
